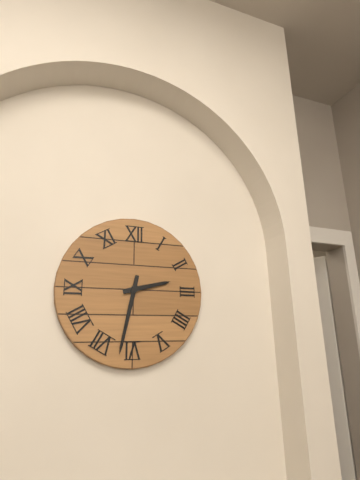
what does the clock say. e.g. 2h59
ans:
2h32
